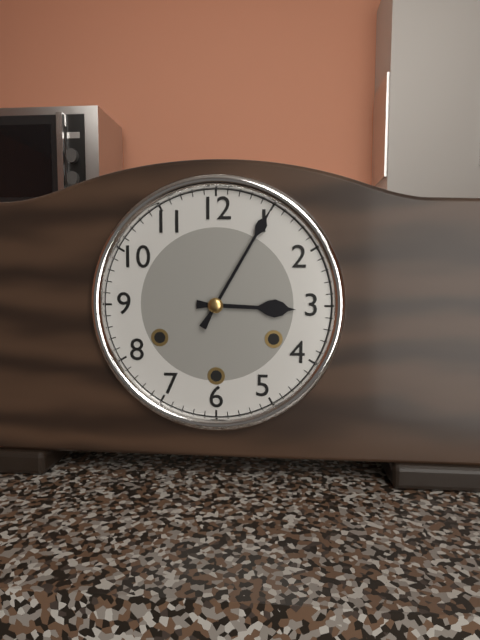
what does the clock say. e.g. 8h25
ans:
3h05
